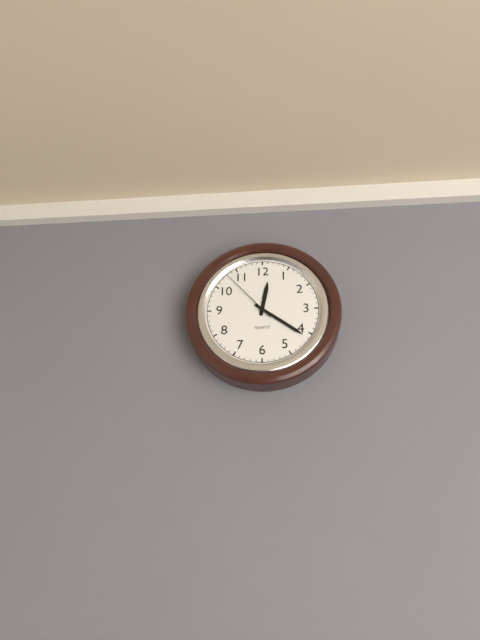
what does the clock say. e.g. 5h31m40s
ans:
12h21m53s
